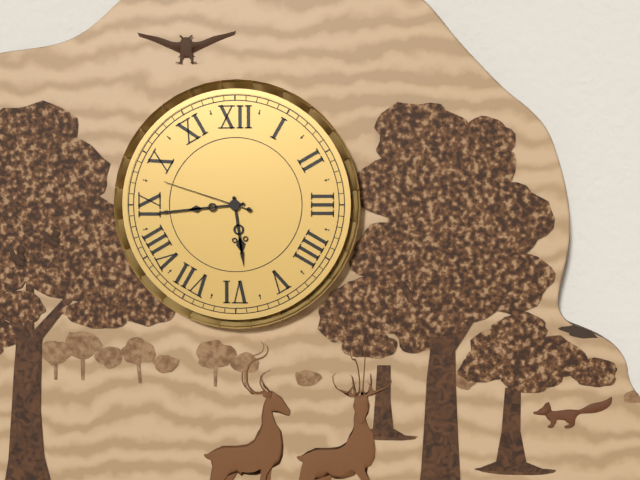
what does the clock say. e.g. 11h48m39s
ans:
5h44m48s
